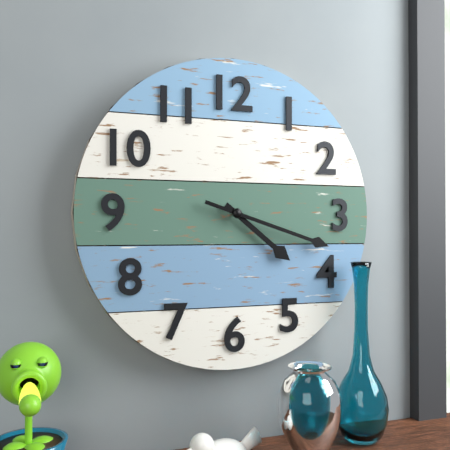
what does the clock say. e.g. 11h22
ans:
4h18
